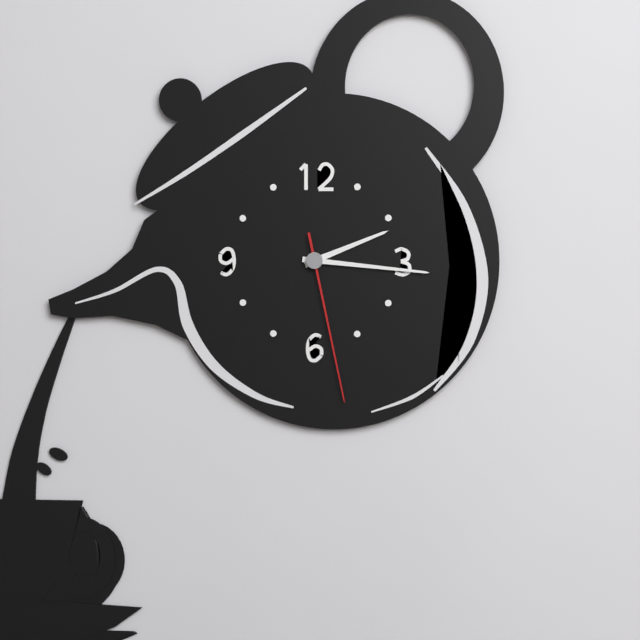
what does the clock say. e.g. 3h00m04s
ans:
2h16m28s
